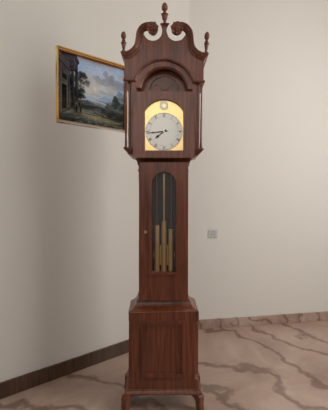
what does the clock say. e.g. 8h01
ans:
7h44
